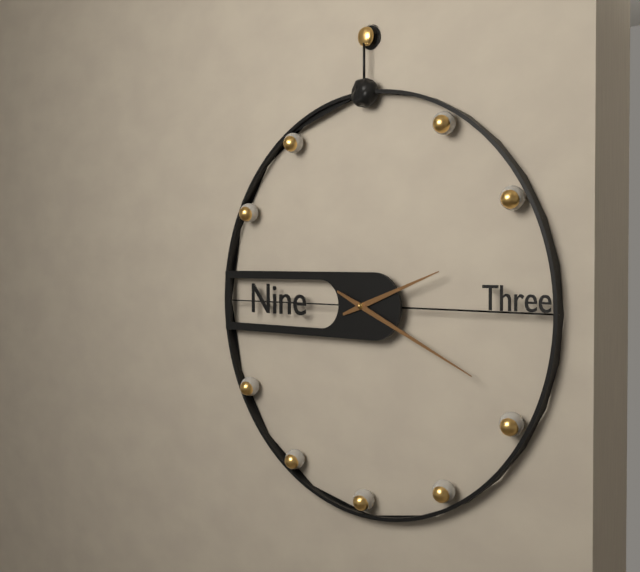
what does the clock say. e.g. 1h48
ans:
2h19
